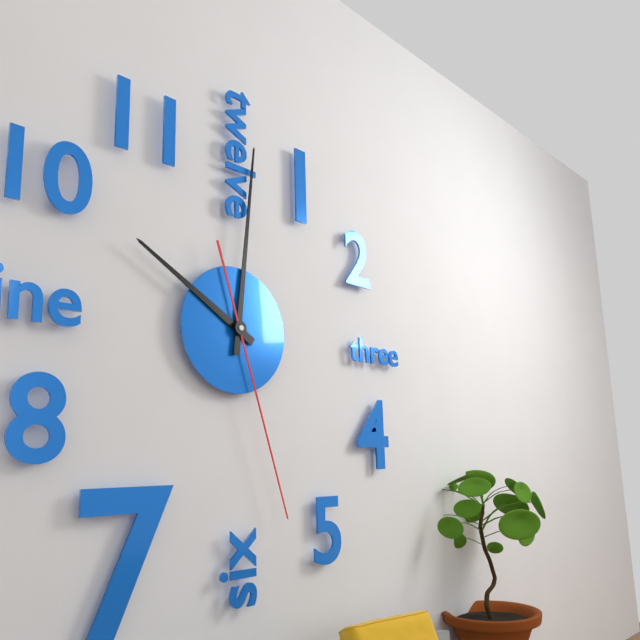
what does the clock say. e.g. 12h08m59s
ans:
10h01m27s
